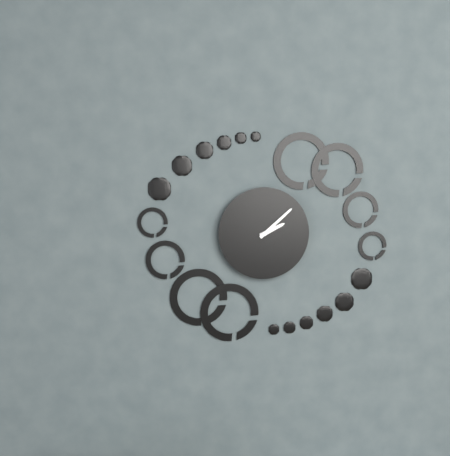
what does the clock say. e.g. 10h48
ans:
2h08
